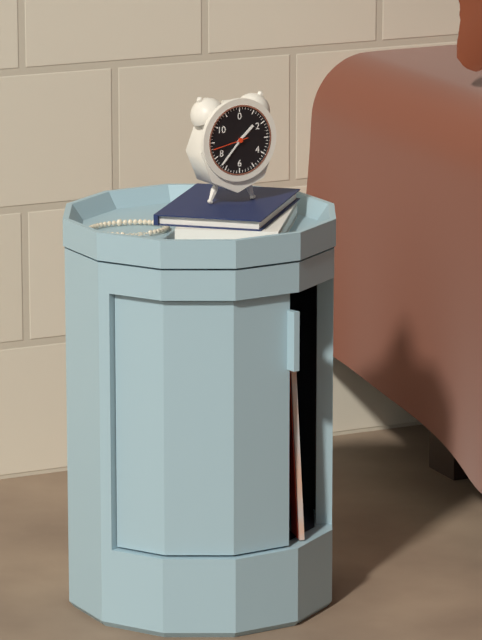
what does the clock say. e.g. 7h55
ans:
1h37
